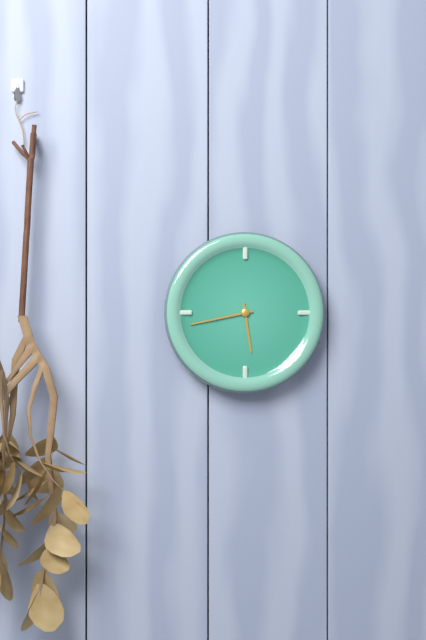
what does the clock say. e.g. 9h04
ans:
5h43
